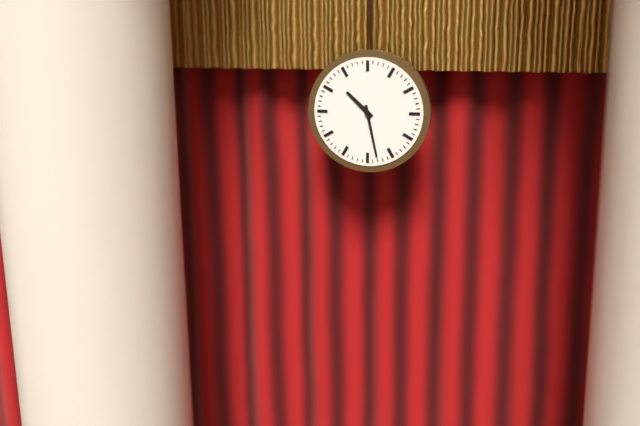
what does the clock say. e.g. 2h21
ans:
10h28
